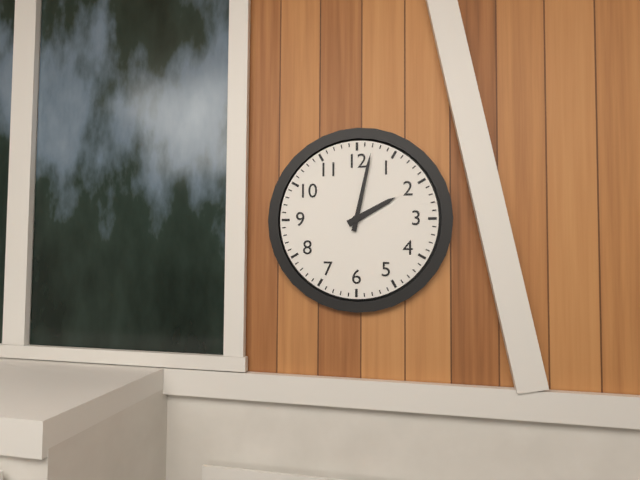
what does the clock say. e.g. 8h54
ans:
2h02
